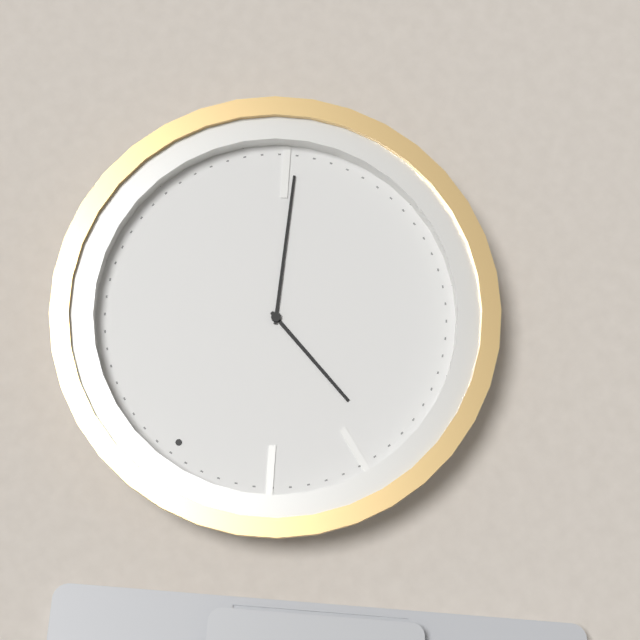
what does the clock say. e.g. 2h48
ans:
9h25
